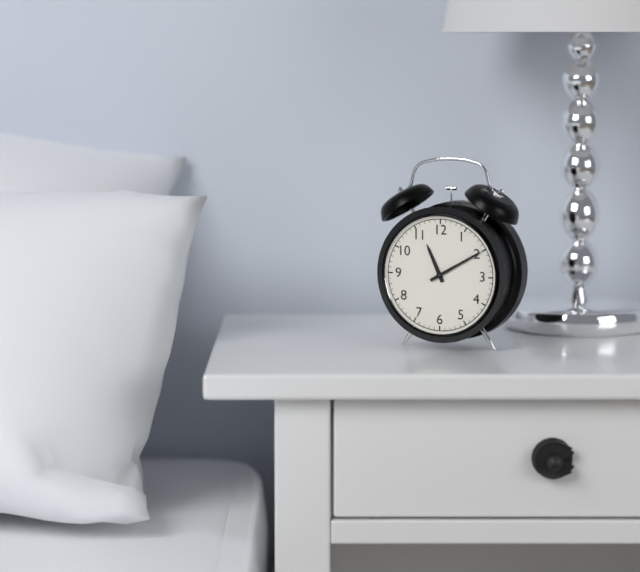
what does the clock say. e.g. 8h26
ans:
11h10
